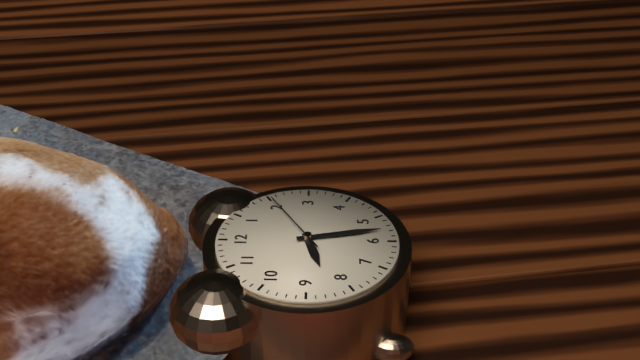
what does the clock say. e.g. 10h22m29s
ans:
8h28m10s
